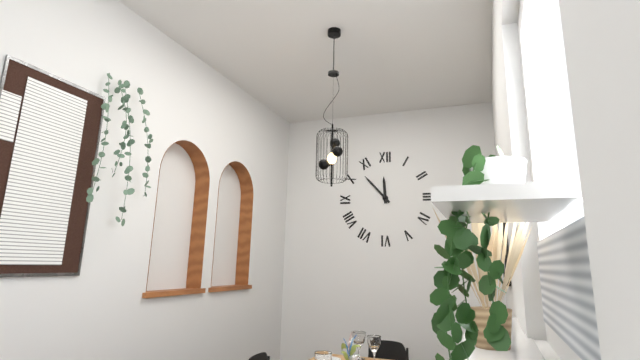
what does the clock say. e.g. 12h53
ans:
11h53
